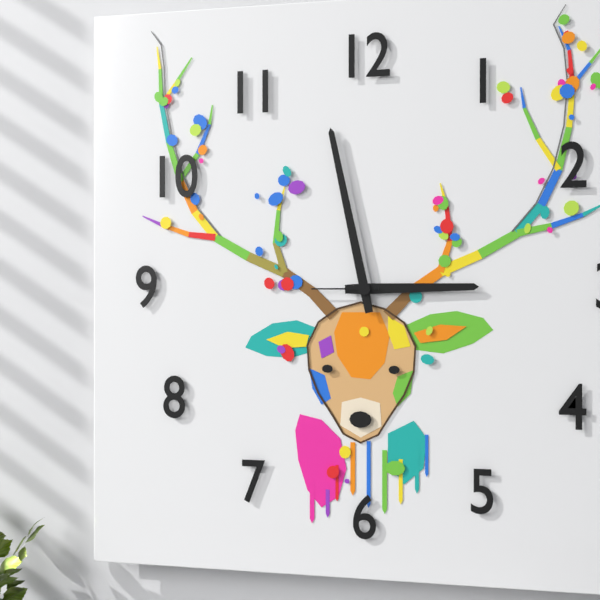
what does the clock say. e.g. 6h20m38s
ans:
2h58m45s
